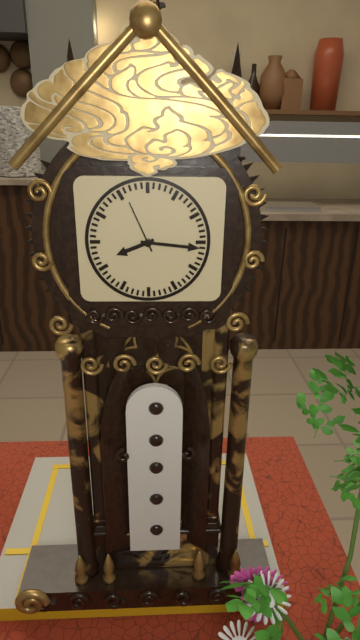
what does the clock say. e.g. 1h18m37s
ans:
8h16m56s
